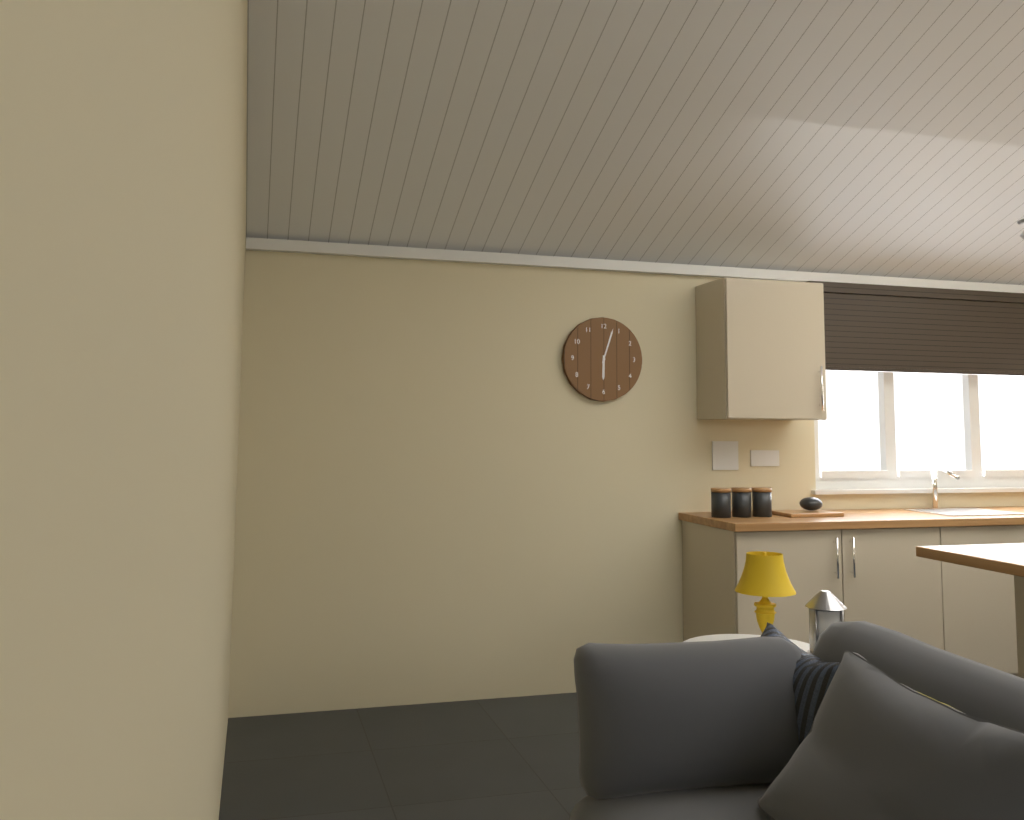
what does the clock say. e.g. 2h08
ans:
6h03
